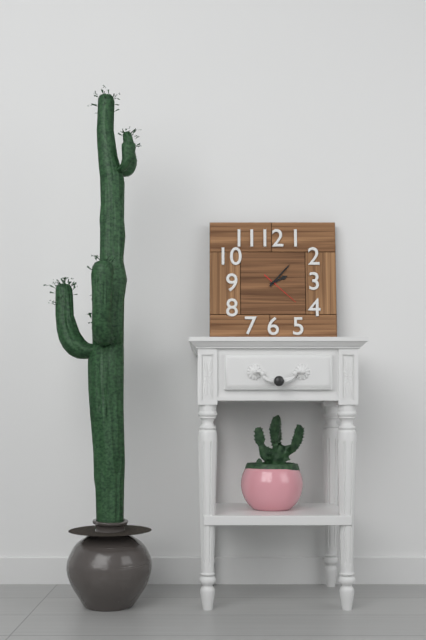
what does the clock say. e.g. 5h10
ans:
2h07
